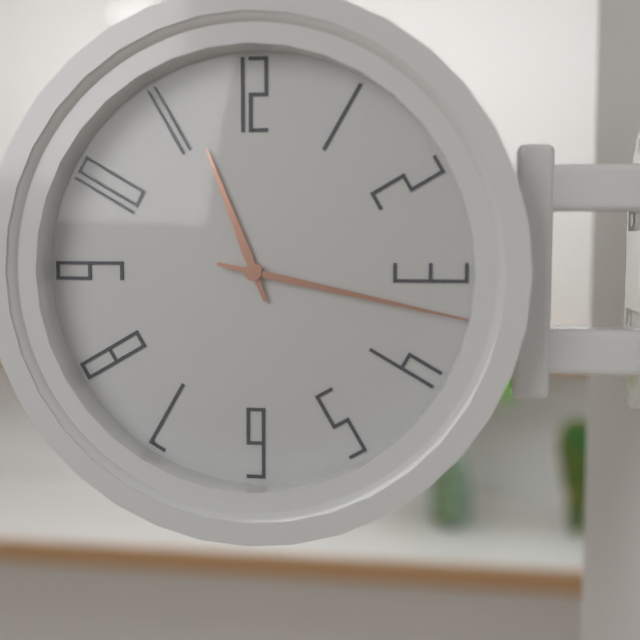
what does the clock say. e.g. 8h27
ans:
11h17
